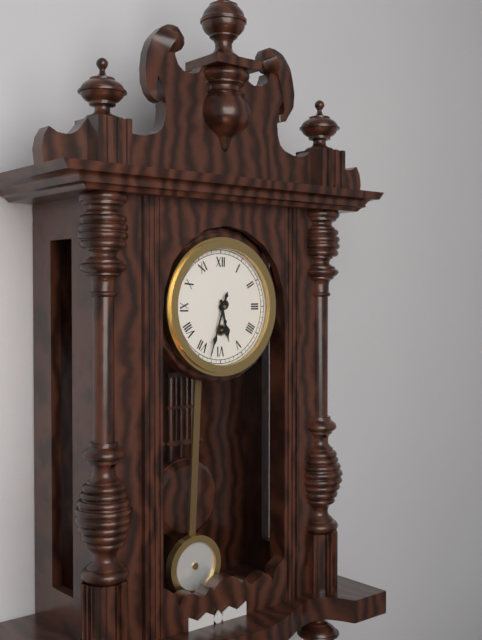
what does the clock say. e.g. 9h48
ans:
5h33
